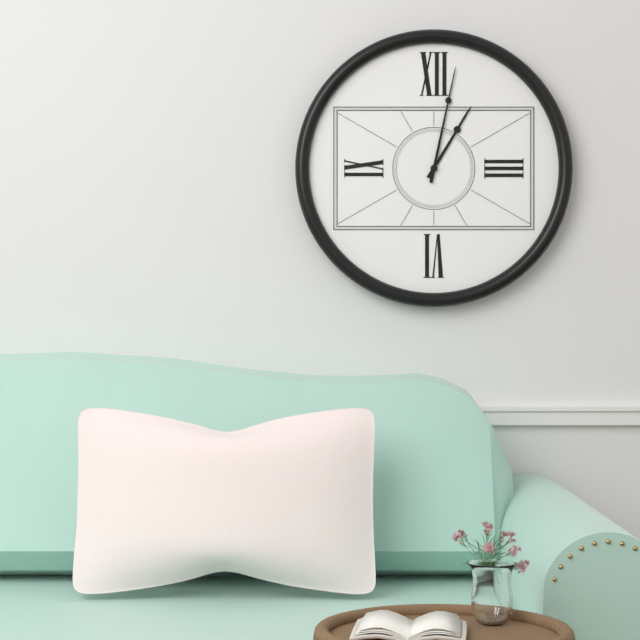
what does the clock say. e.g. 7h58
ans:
1h02
